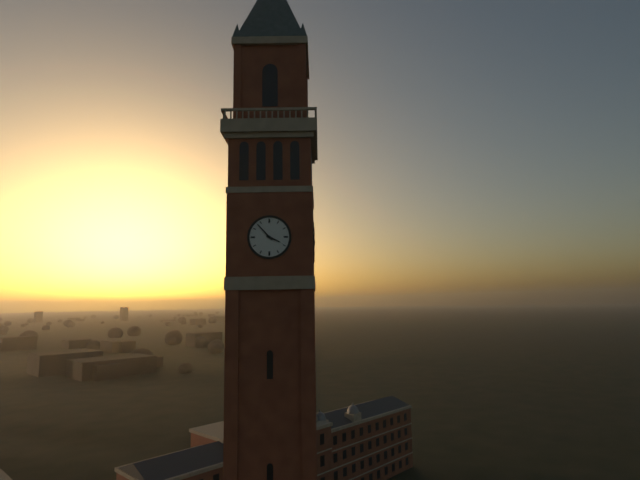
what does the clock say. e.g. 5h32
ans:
3h53
